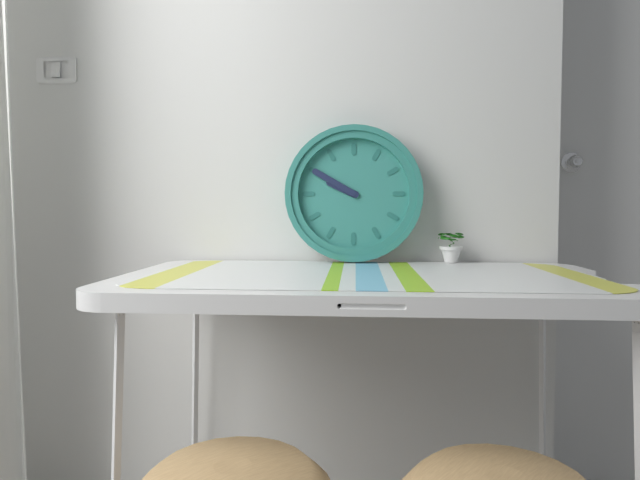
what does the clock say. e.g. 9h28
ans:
9h50
